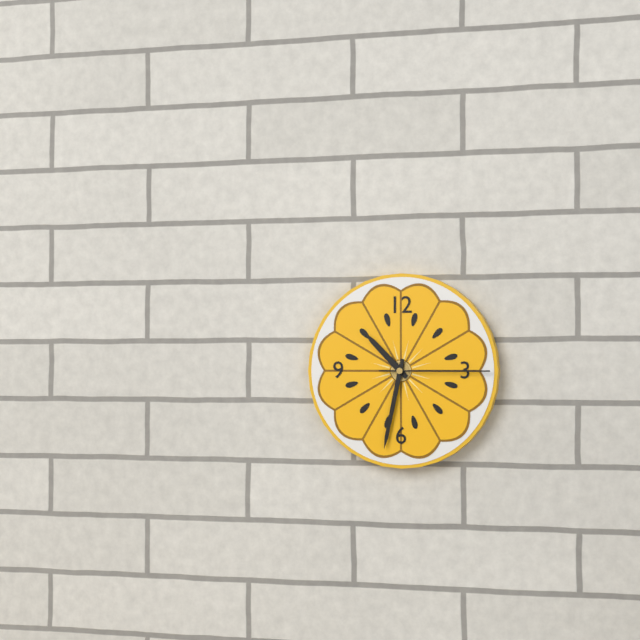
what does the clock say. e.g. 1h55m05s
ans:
10h32m15s
